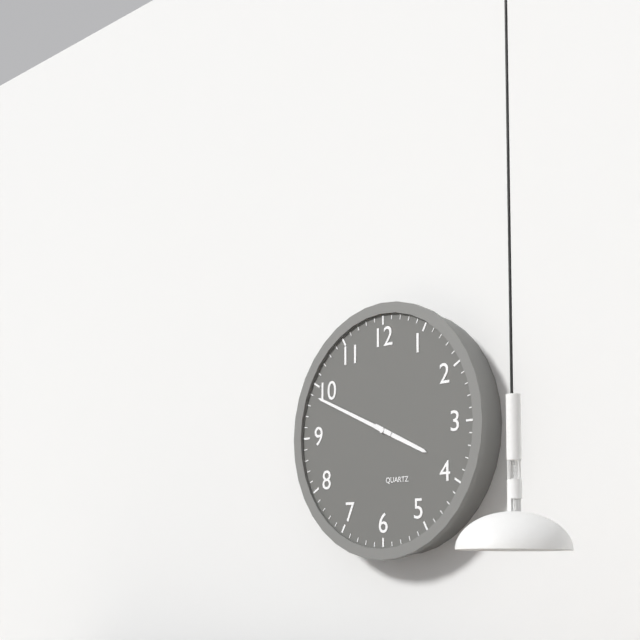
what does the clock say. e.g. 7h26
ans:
3h49
